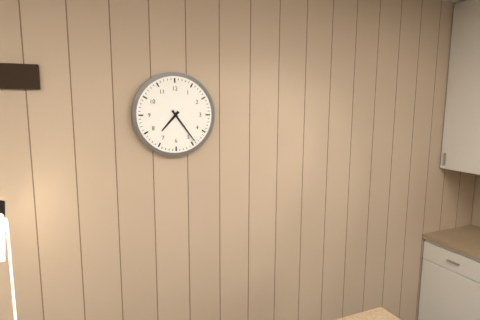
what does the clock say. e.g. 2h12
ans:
7h24
